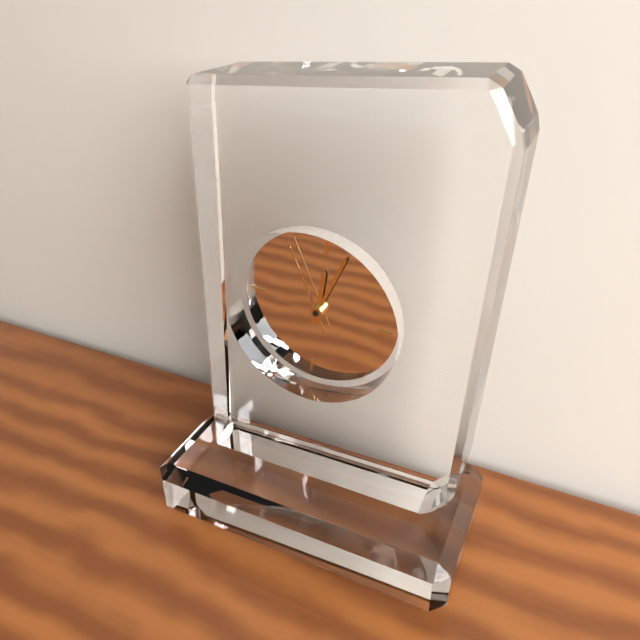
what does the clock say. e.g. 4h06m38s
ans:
12h03m55s
